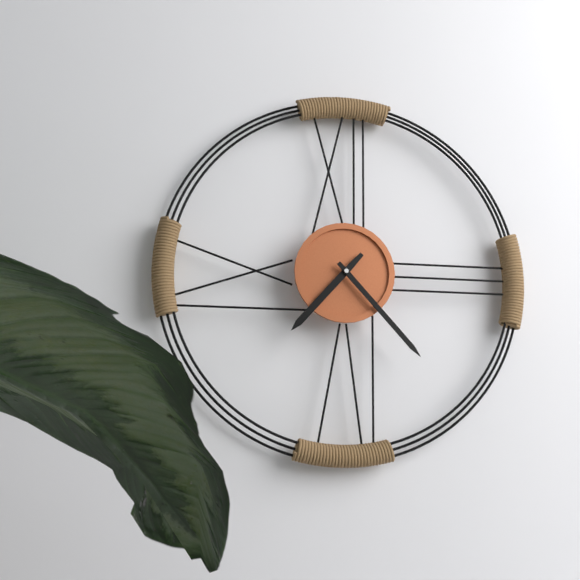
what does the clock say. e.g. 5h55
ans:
7h23
